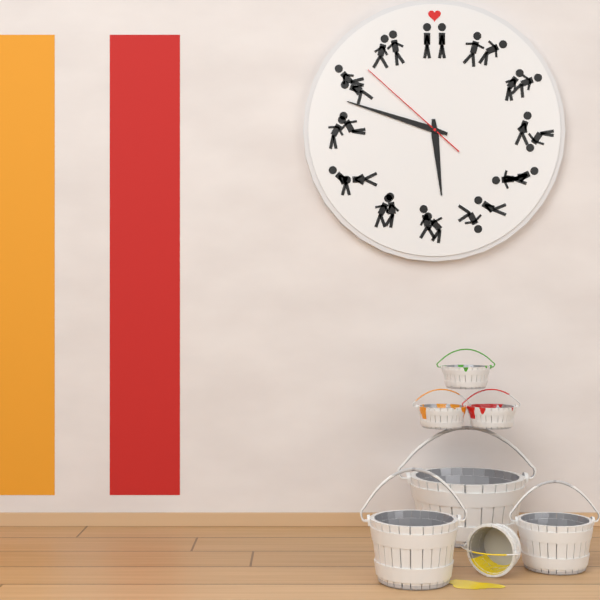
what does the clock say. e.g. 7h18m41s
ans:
5h48m52s
